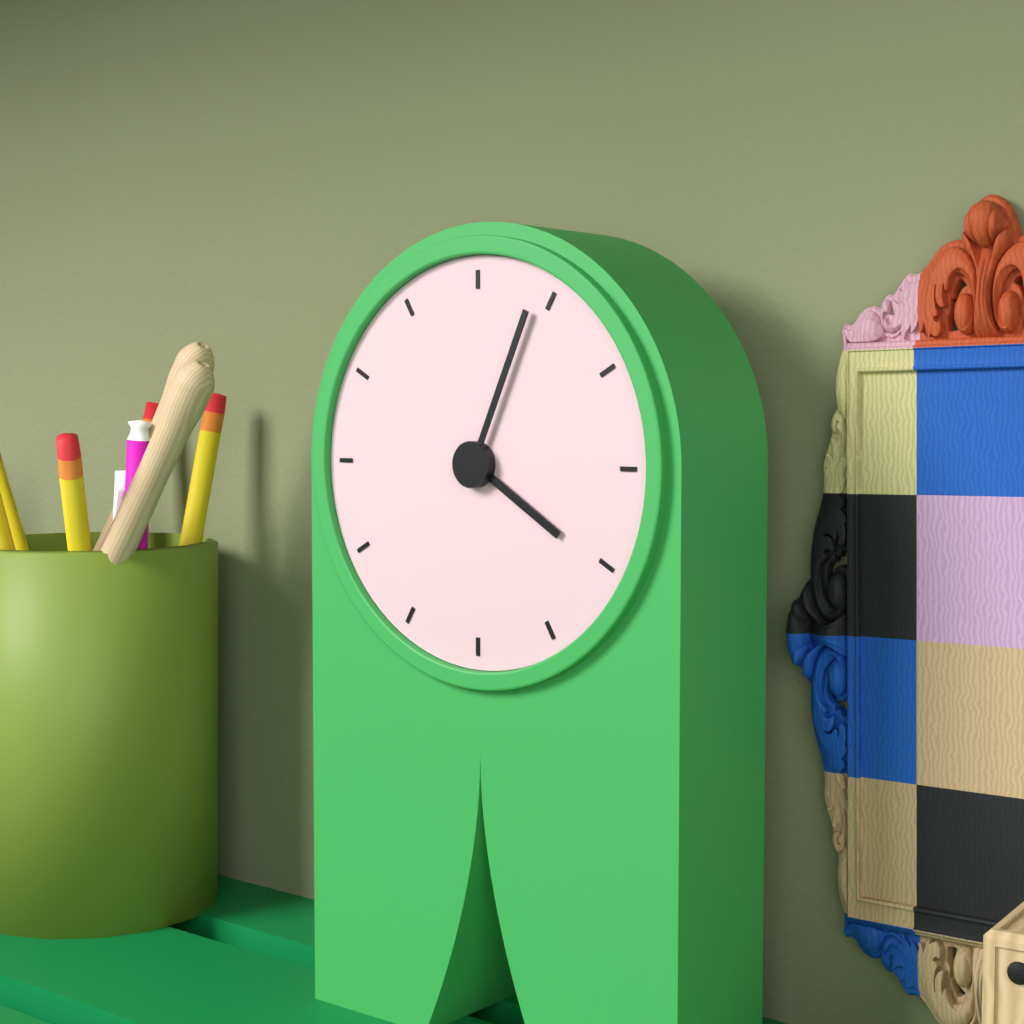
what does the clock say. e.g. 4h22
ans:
4h04
